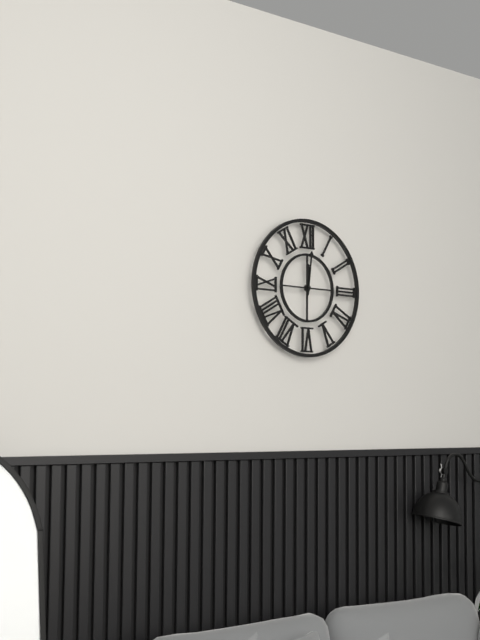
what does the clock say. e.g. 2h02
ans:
12h01
